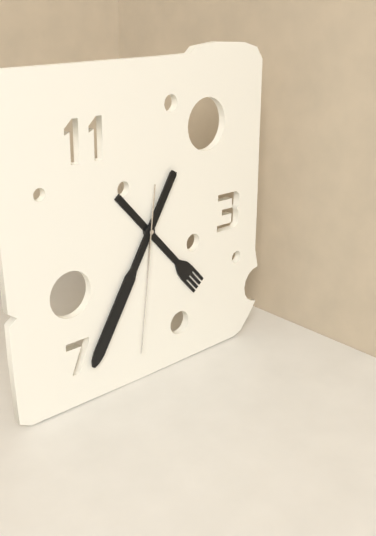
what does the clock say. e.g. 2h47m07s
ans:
4h35m31s
